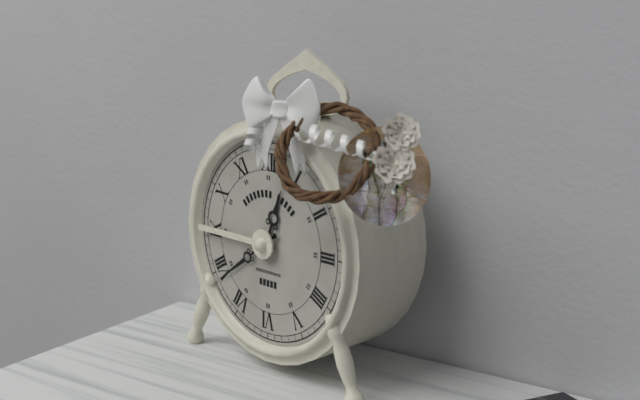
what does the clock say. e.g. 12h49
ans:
12h39
